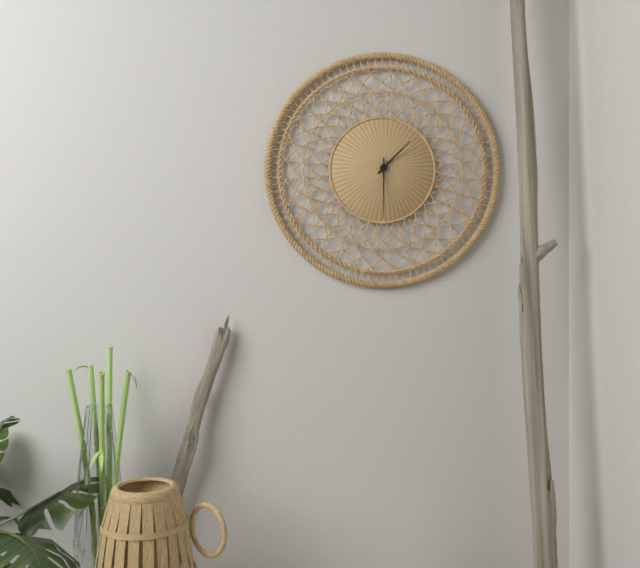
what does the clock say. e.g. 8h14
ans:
1h30
